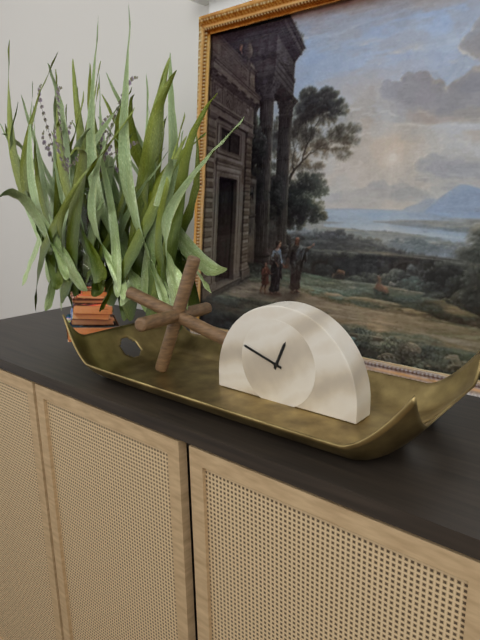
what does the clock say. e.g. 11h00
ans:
12h48
